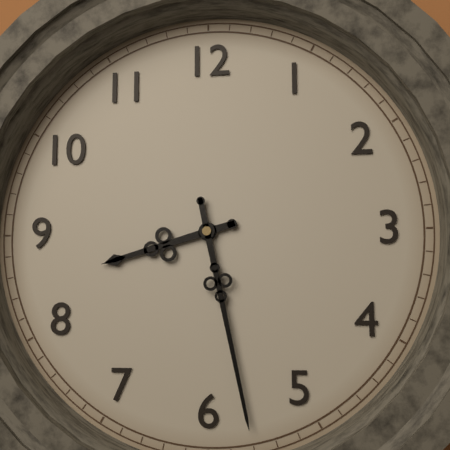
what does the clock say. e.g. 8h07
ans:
8h28
